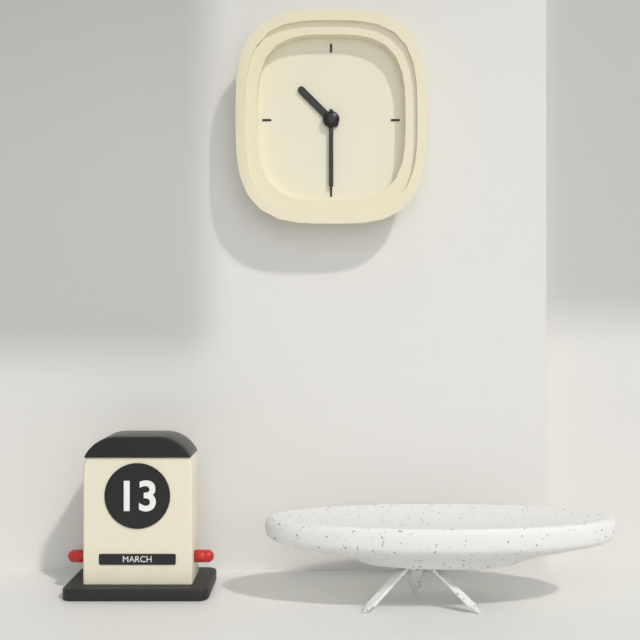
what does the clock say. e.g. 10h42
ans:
10h30
